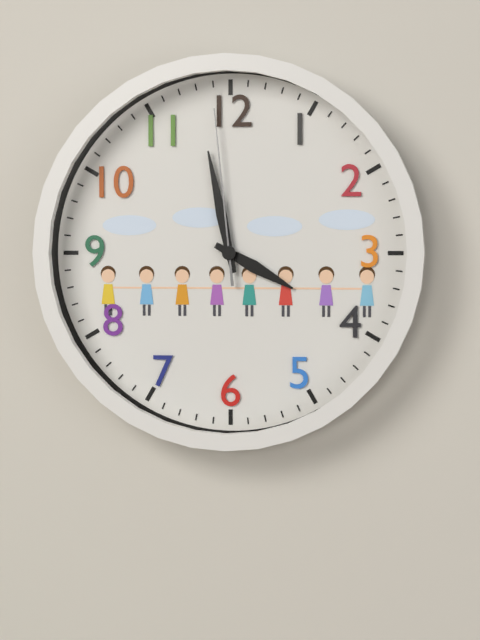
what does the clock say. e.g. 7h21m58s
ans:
3h58m59s
